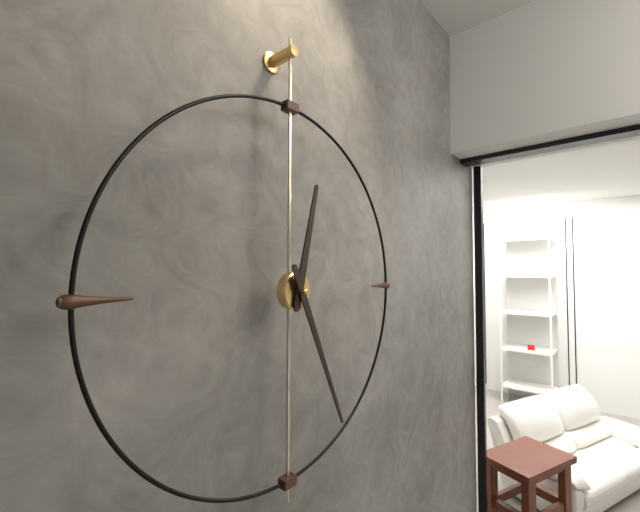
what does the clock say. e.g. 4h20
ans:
12h26
